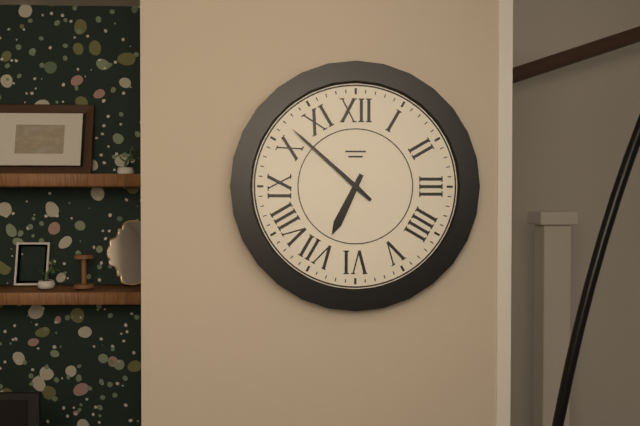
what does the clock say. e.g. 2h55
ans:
6h52
